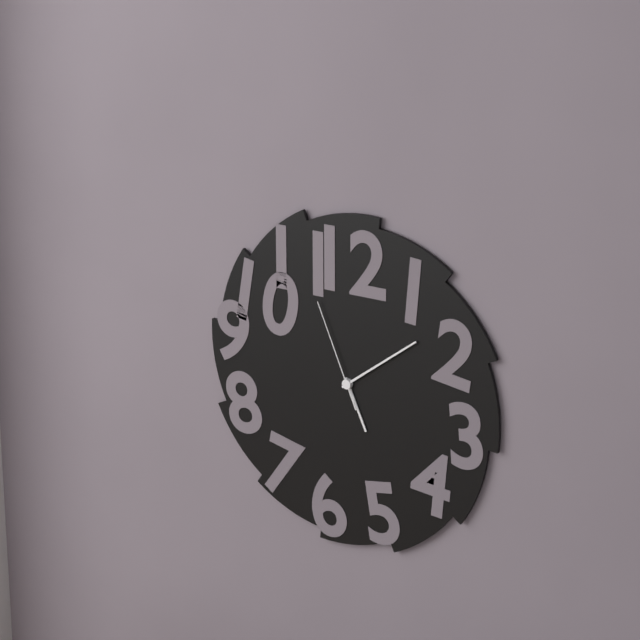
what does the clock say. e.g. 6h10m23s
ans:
5h09m56s
